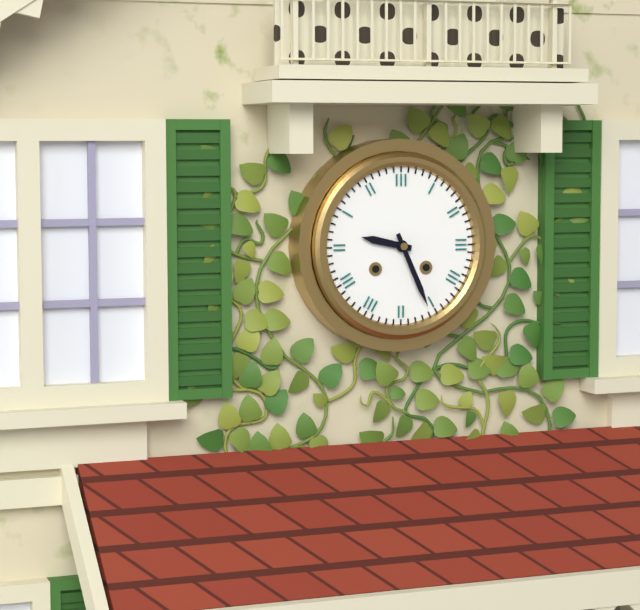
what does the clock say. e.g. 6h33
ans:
9h26
